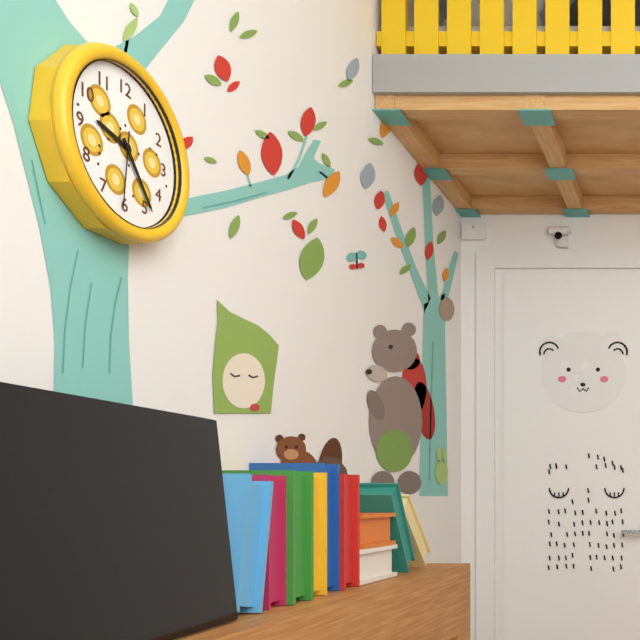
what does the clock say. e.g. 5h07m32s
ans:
9h24m31s
